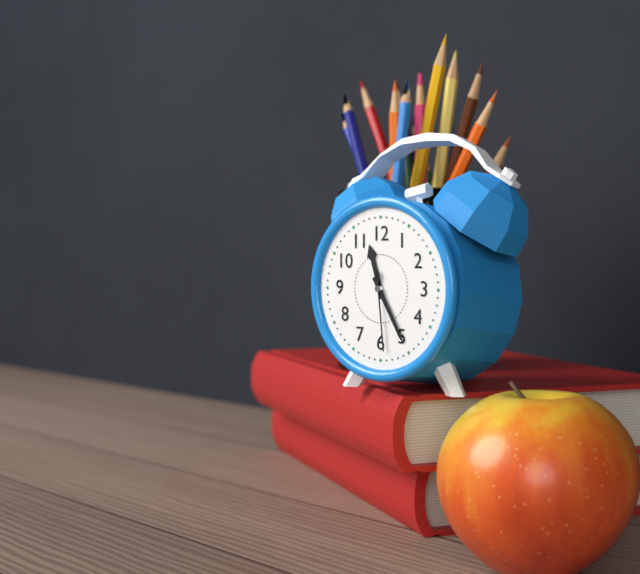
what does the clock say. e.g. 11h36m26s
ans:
11h25m29s
